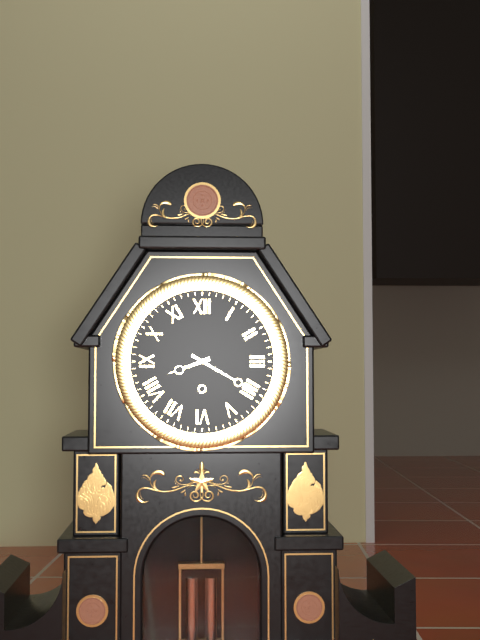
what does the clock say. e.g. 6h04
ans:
8h20
